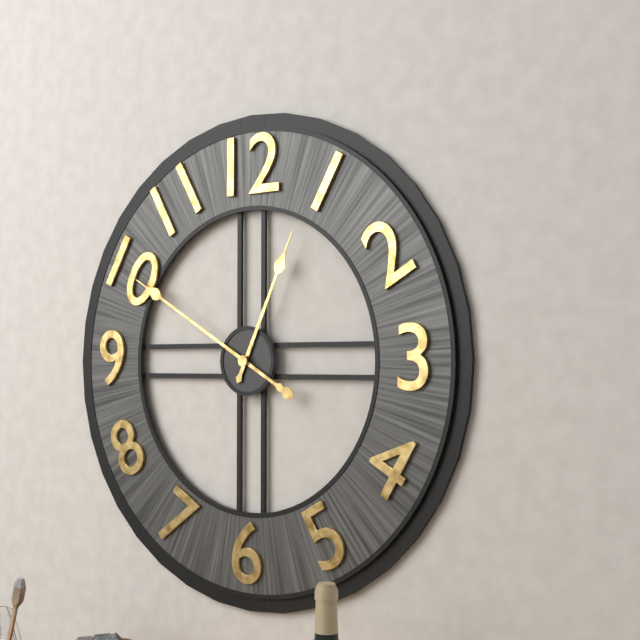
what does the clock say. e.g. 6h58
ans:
12h50
